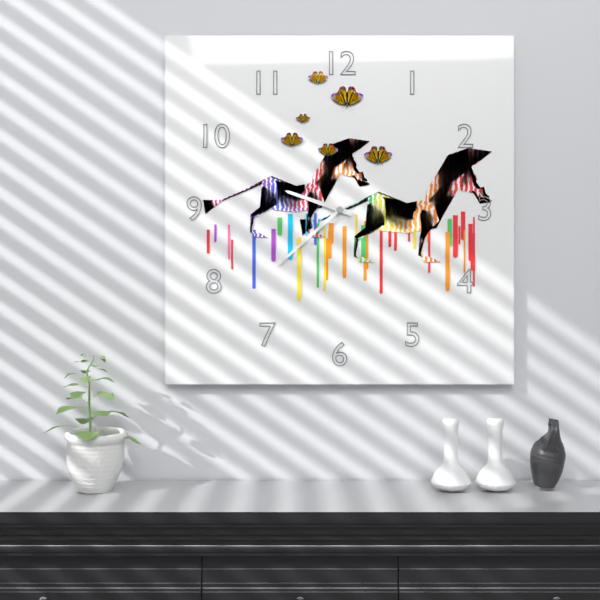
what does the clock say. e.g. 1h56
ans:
9h38
